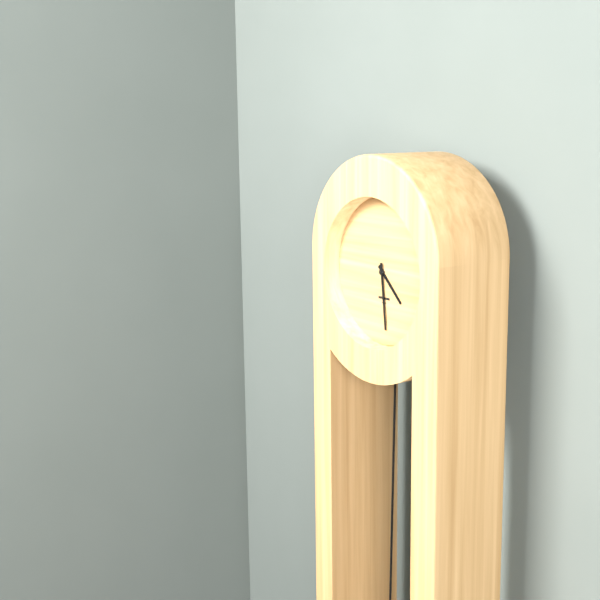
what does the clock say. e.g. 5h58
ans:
4h29
